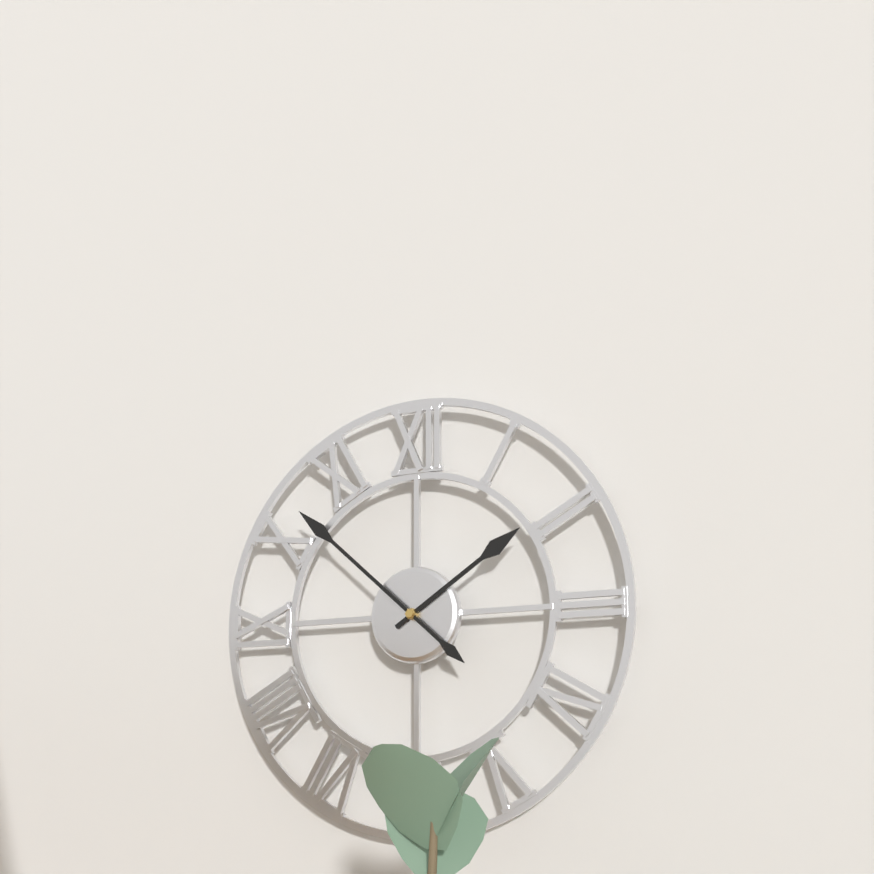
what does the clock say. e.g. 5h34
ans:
1h52
